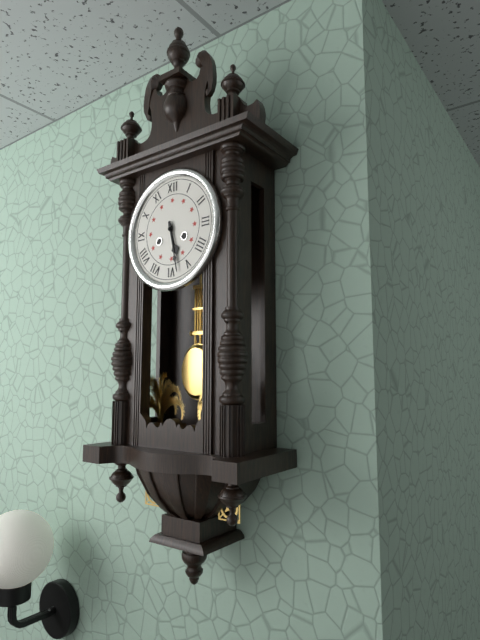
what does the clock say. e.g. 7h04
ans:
5h28
